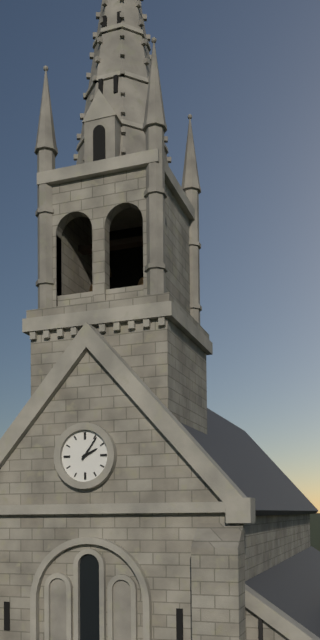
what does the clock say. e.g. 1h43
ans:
2h06
